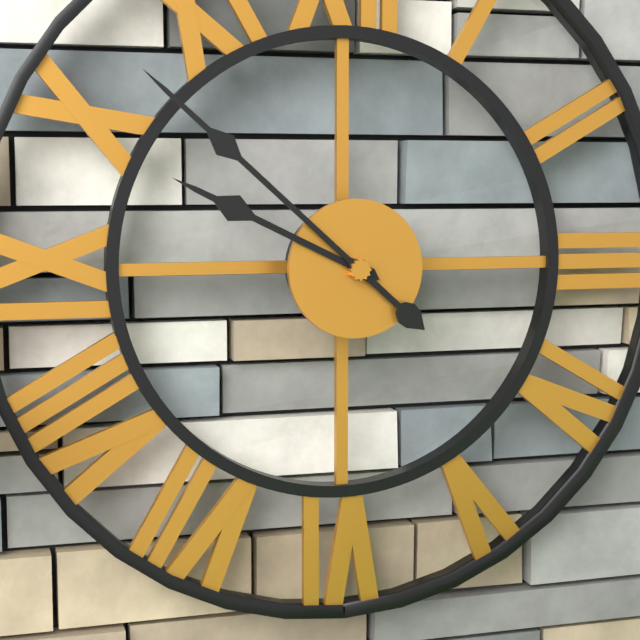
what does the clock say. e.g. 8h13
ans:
9h52
